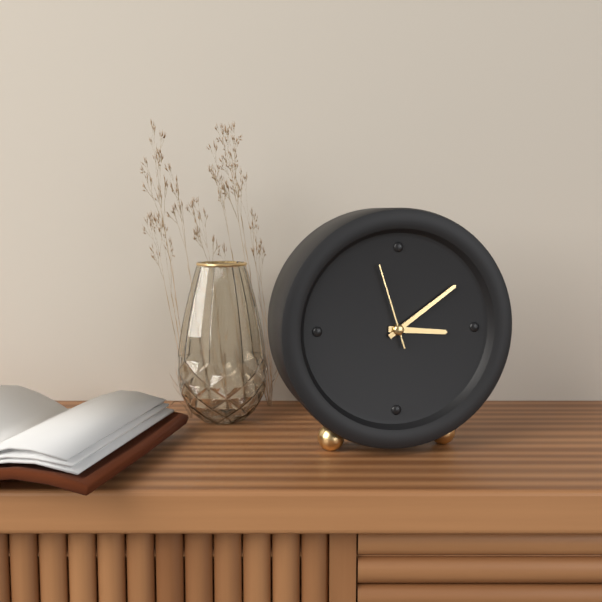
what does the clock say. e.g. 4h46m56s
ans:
3h09m57s
